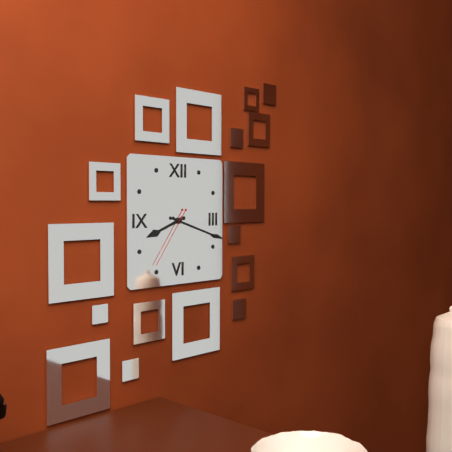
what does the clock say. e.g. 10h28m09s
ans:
8h18m36s
